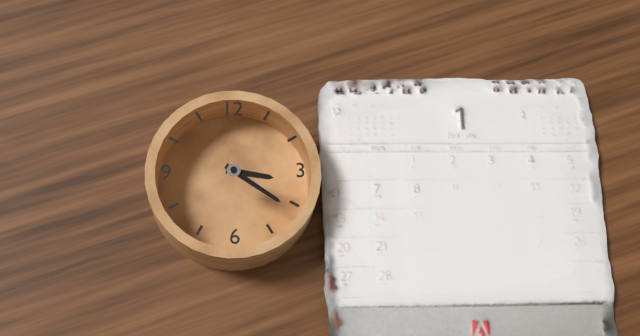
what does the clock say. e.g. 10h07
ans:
3h21
